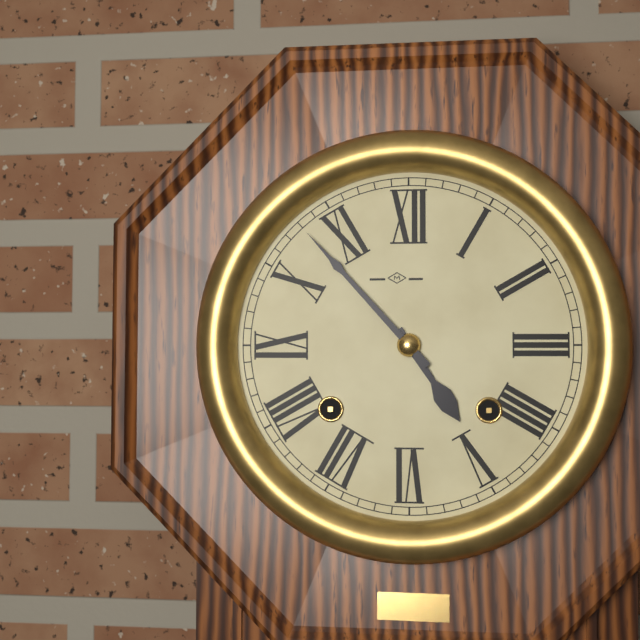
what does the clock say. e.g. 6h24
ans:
4h53
